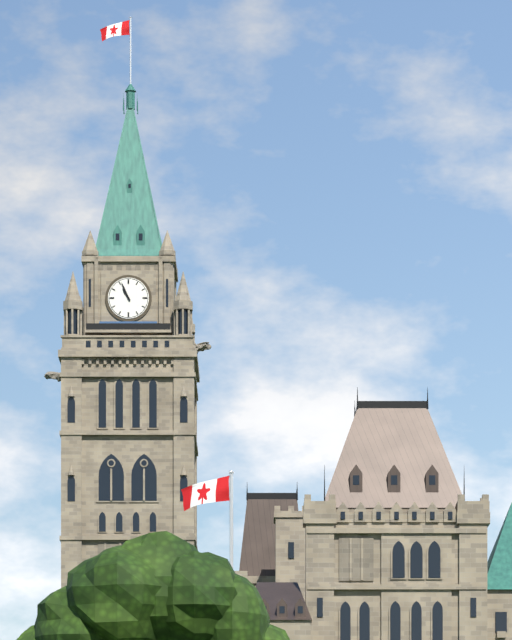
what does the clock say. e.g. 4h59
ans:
10h56
